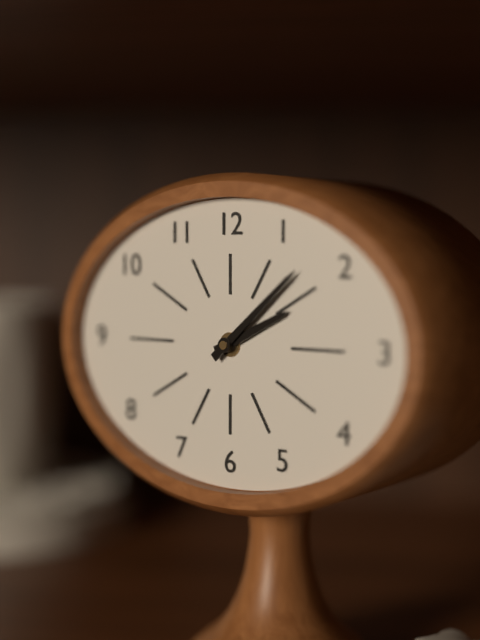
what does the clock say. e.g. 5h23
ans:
2h08
